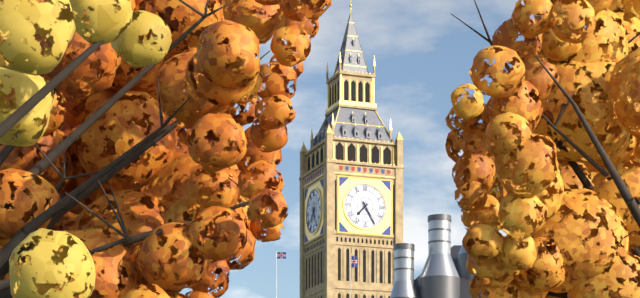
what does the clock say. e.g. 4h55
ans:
7h25
